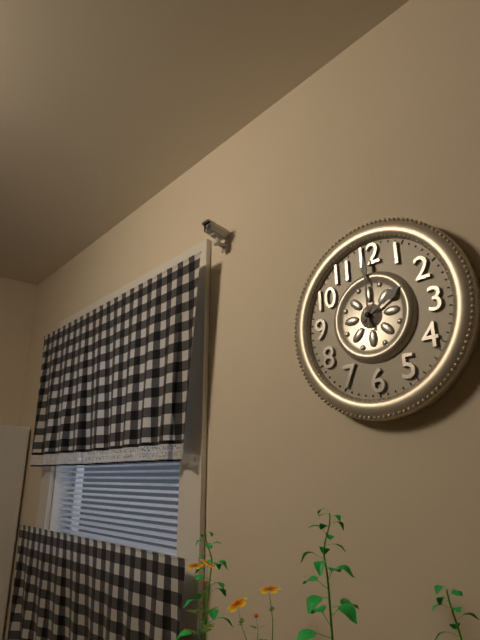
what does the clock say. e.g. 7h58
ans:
2h00
